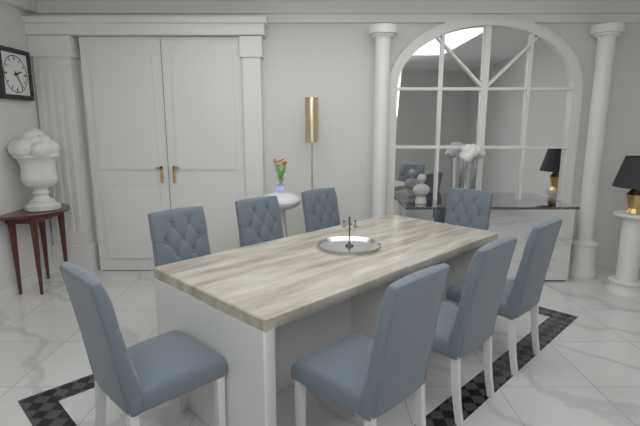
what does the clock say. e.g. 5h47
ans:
2h24
